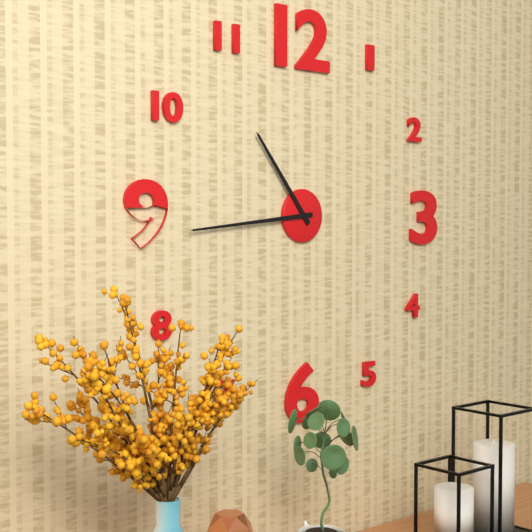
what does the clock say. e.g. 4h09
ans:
10h44
